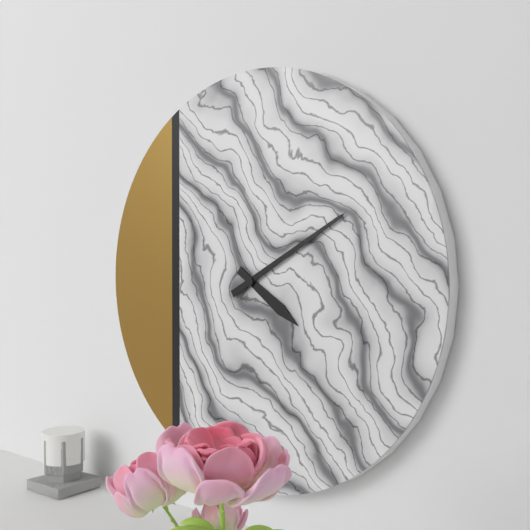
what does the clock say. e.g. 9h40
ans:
4h10
